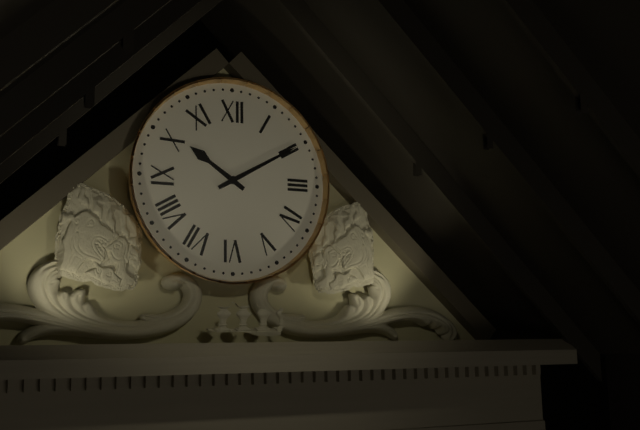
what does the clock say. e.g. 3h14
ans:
10h10
